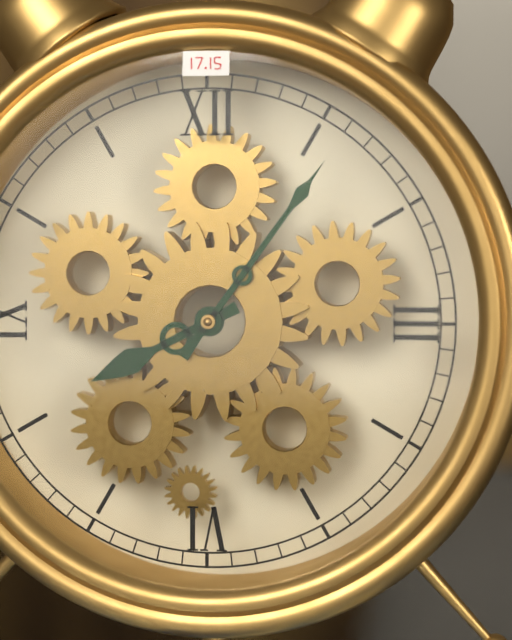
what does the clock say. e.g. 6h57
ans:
8h06
